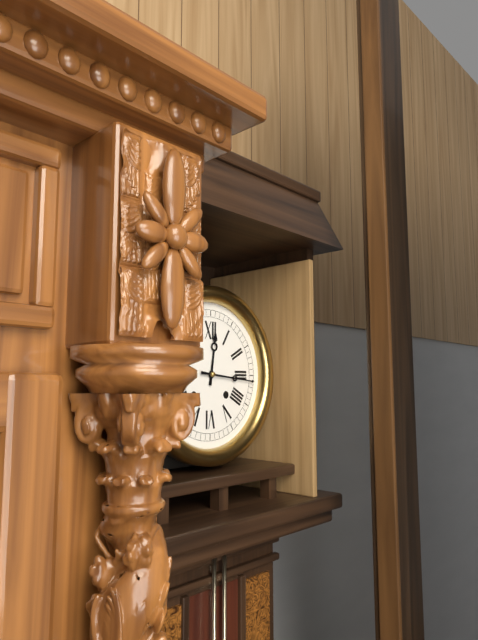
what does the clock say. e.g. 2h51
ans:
12h16
